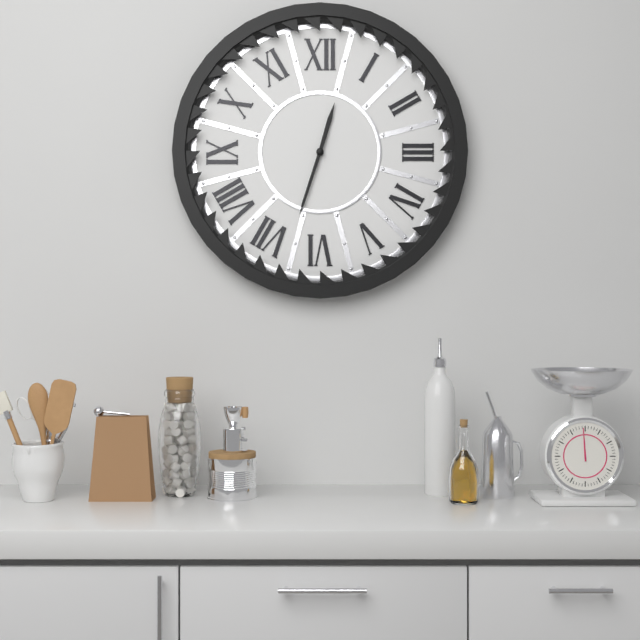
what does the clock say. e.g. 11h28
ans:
12h33
